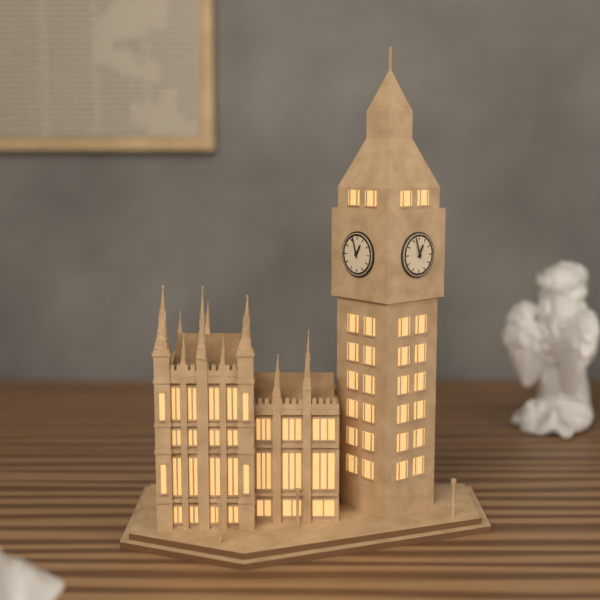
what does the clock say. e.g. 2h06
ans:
12h57
